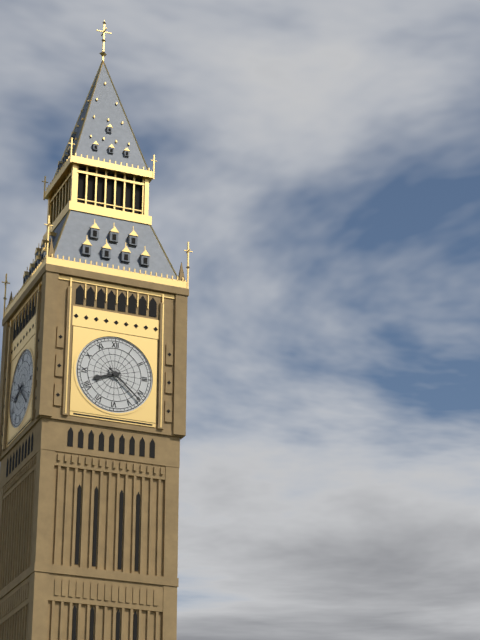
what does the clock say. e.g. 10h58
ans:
8h22
